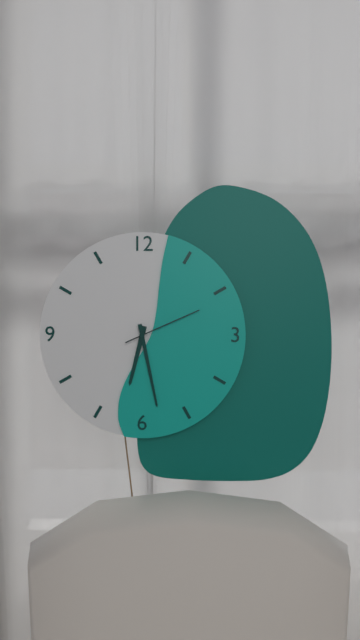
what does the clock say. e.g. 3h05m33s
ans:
6h28m11s
